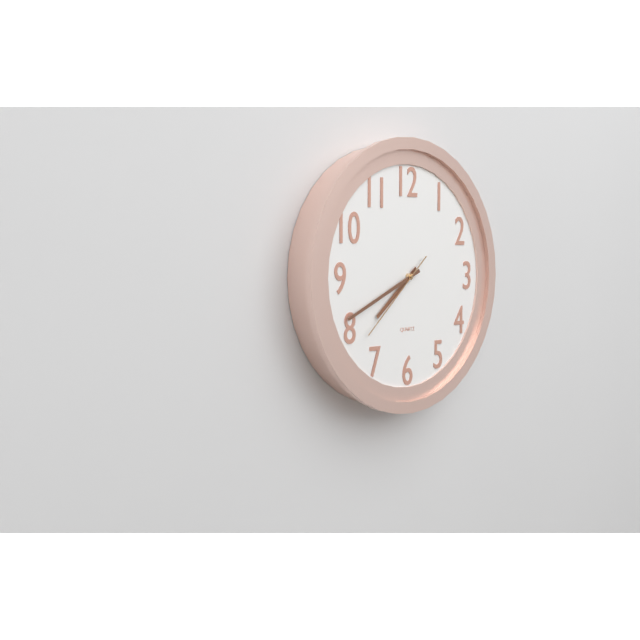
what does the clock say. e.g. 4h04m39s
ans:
7h41m38s
